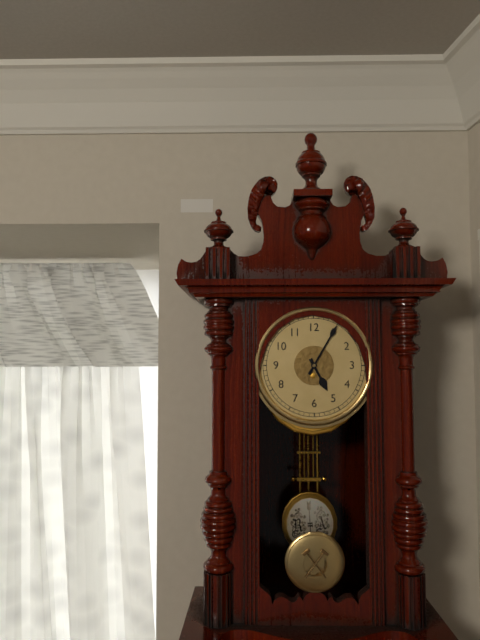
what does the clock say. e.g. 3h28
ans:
5h05
